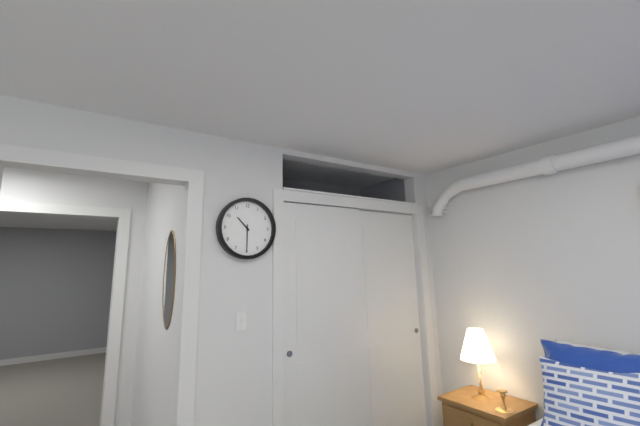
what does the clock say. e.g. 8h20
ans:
10h30
